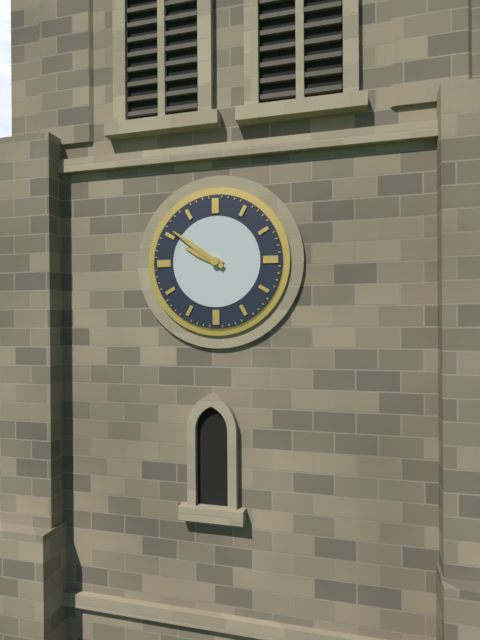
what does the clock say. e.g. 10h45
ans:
9h51
